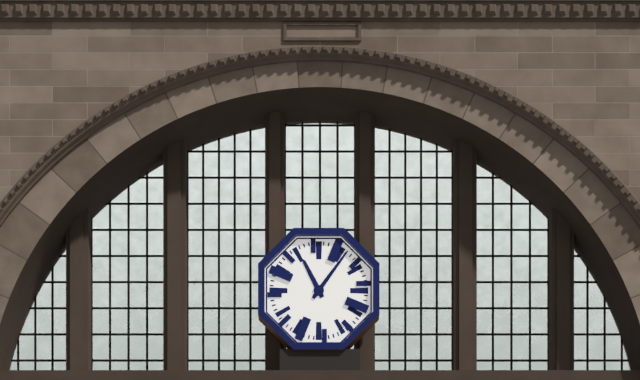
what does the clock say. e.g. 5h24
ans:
11h06
